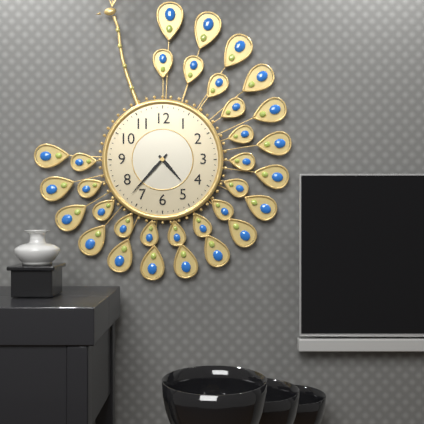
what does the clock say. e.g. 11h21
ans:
4h37
